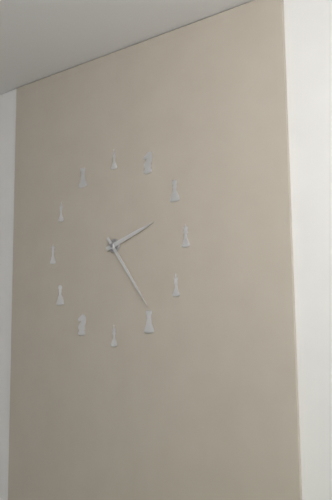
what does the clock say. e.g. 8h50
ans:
2h24
